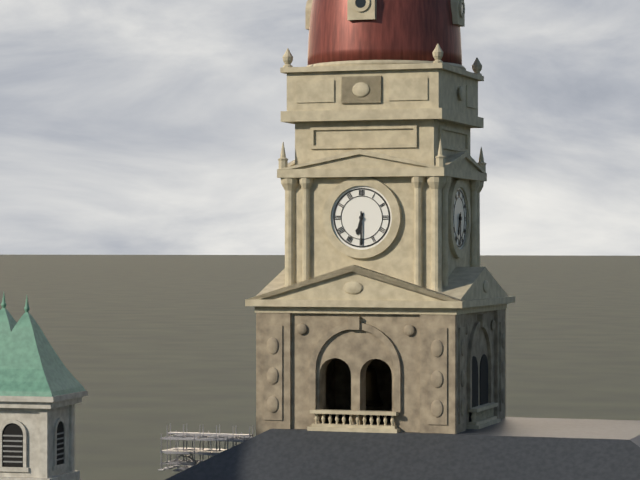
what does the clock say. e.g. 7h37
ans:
6h30
